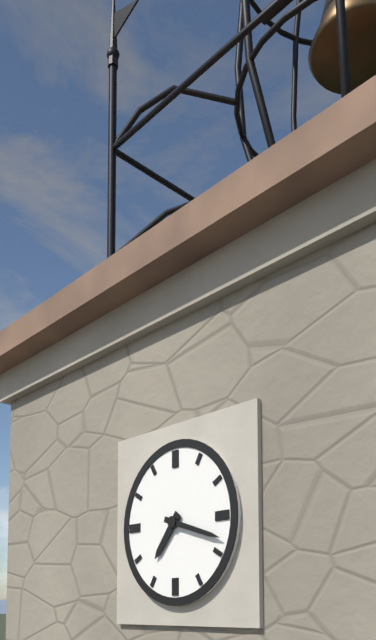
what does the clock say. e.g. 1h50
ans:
7h18
